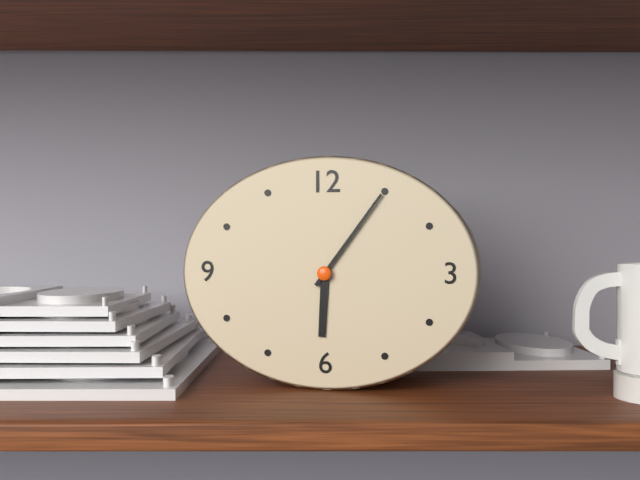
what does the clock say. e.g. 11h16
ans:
6h06
